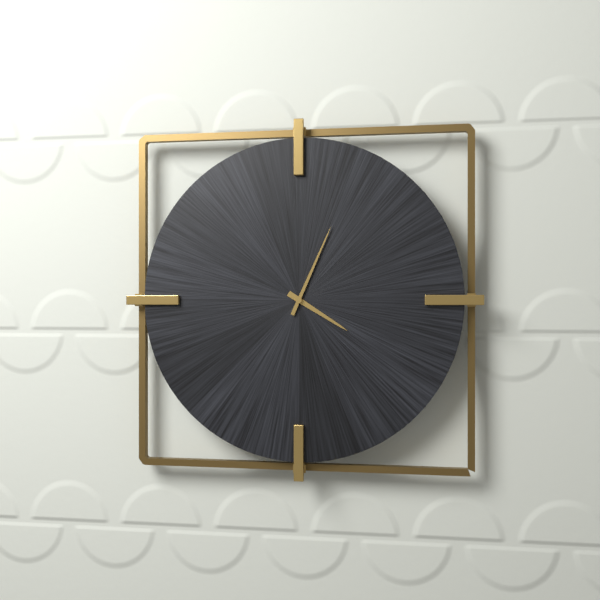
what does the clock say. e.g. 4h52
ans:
4h04
